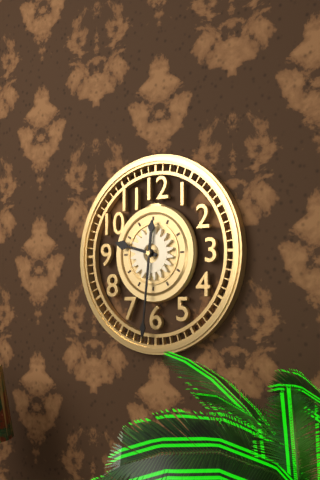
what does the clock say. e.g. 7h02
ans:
9h31
